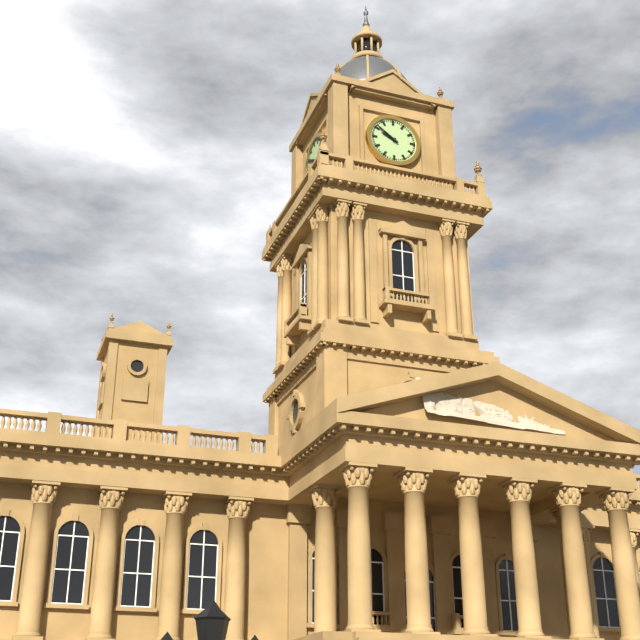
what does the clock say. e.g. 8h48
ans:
9h51
